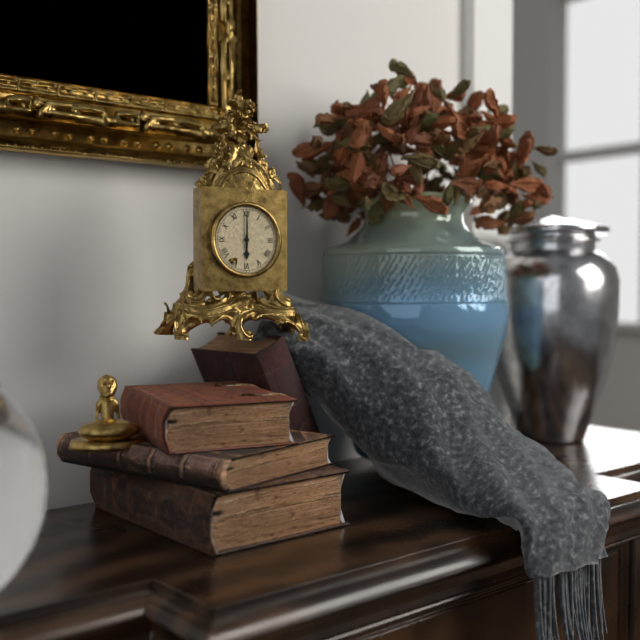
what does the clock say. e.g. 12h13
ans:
6h00
